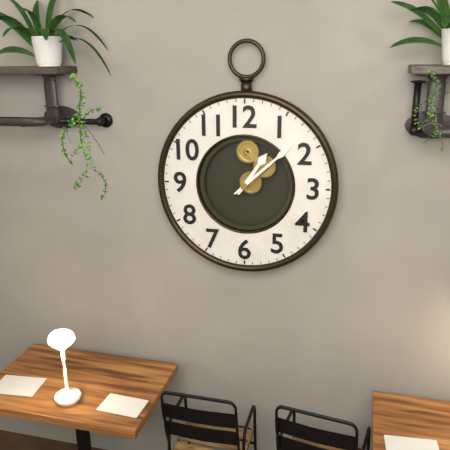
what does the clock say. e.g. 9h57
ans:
1h08
